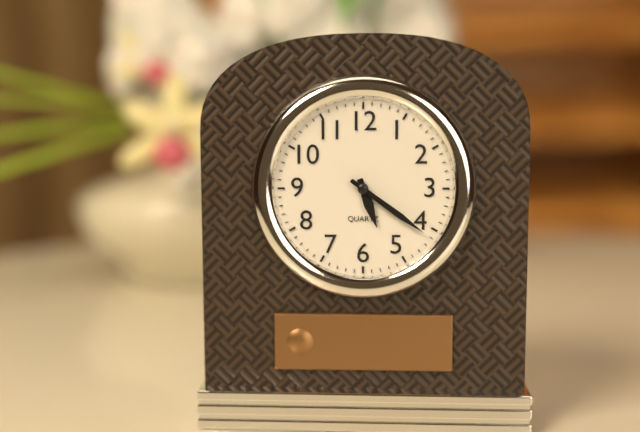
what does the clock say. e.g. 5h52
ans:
5h21
